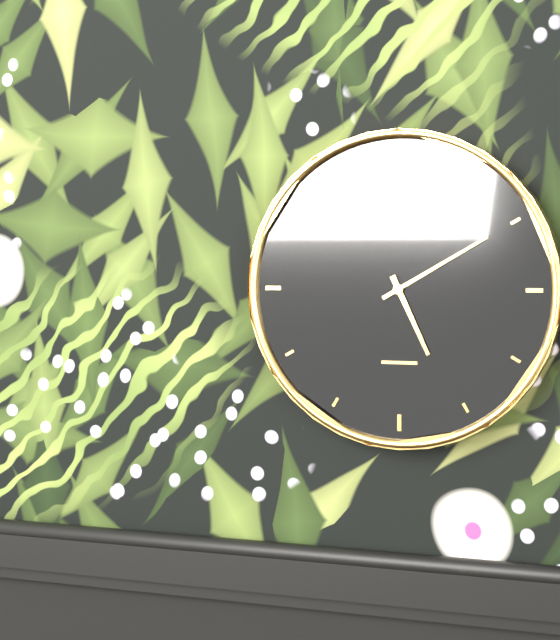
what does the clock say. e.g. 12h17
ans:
5h10
